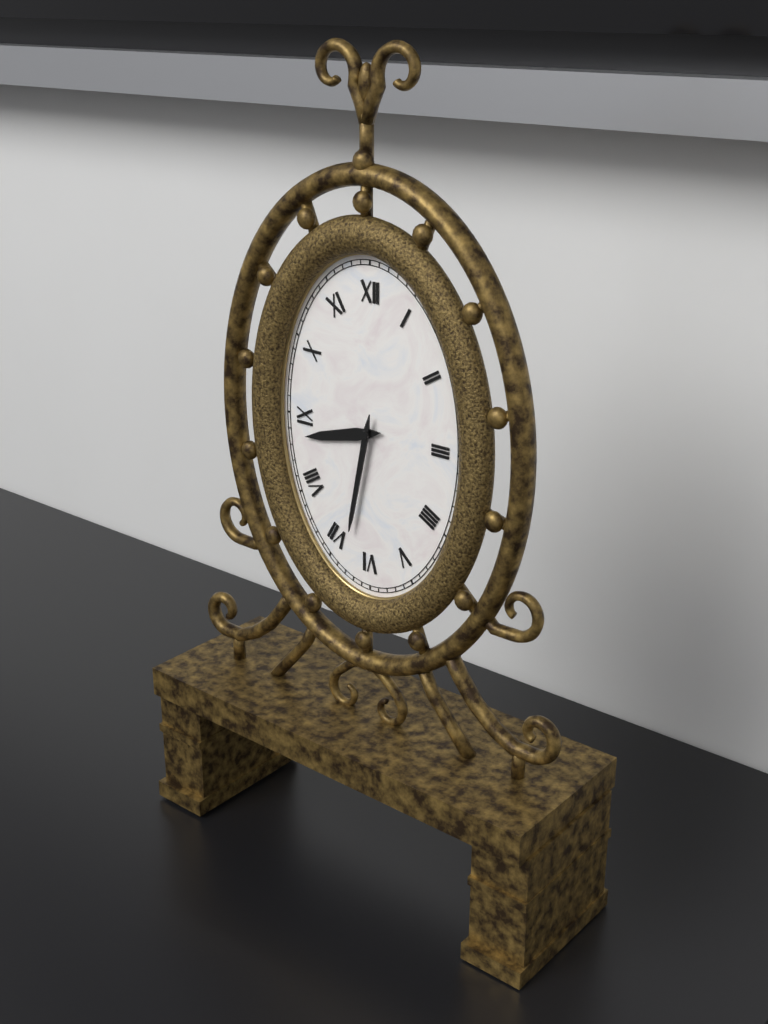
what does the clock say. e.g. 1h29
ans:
8h32
